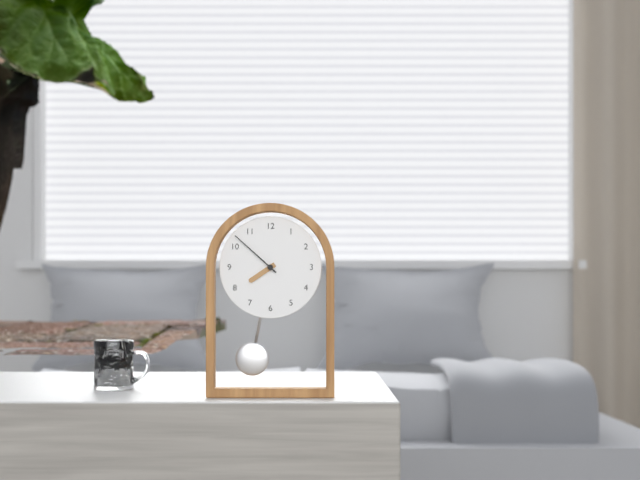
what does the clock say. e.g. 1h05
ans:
7h52
